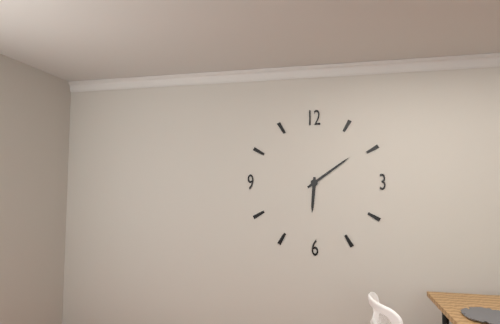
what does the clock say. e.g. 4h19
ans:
6h09
